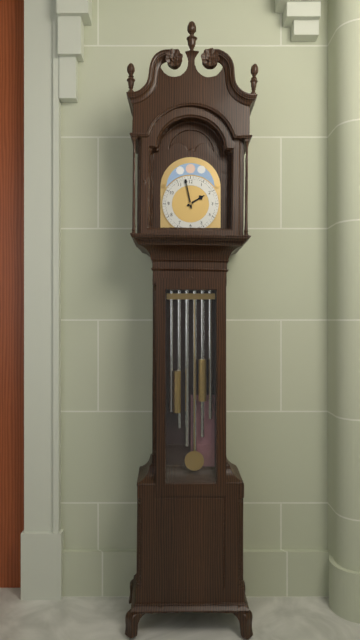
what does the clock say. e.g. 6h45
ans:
1h58
